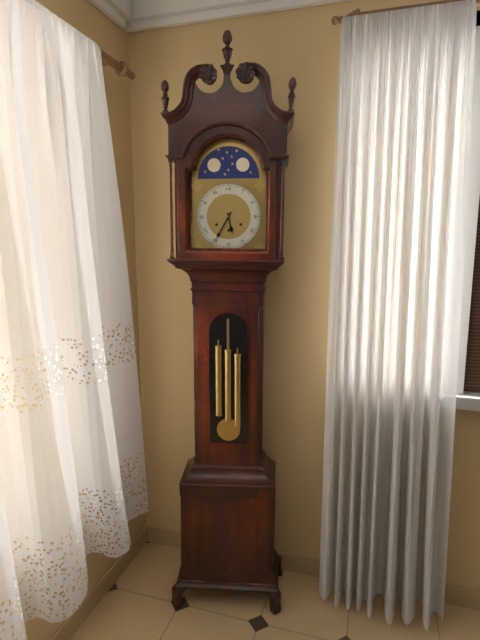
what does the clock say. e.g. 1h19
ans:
5h35
